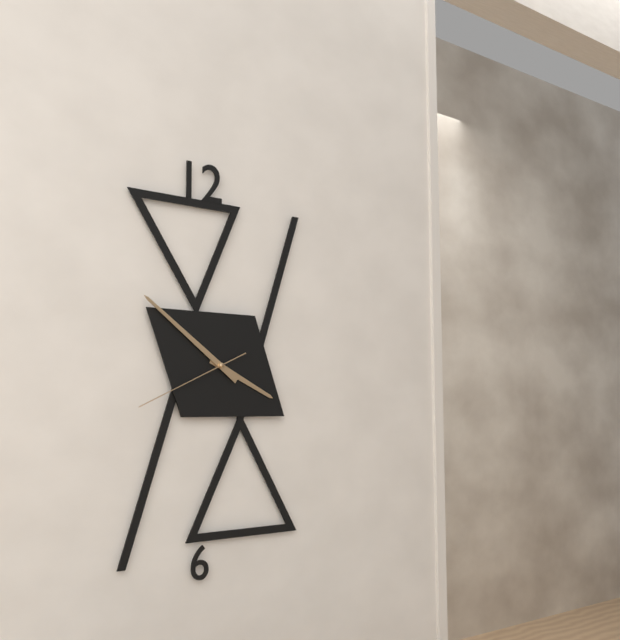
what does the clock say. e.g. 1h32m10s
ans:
3h51m41s
